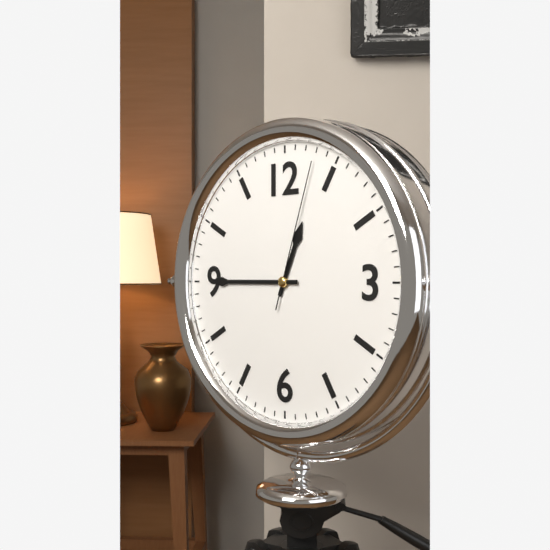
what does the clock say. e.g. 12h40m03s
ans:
12h45m03s
